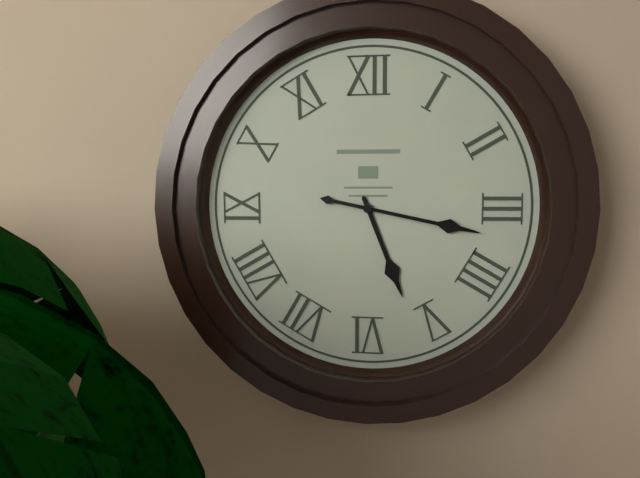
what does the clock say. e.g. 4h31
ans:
5h17
